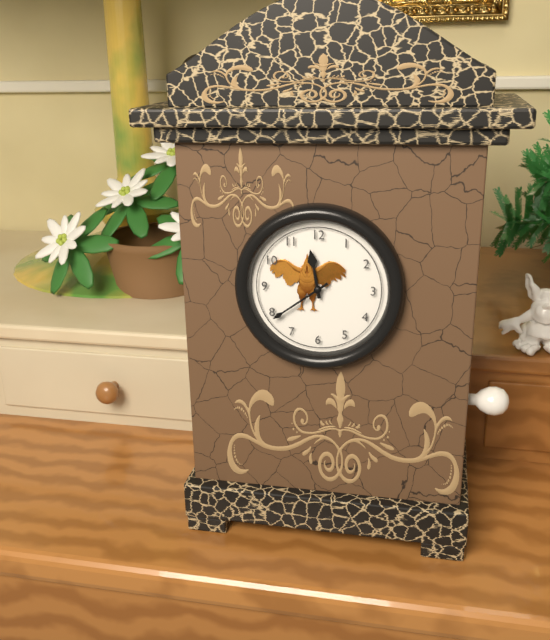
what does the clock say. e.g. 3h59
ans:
11h39
